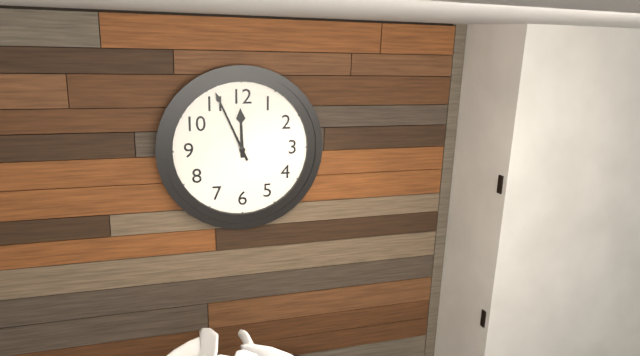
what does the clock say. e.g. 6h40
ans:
11h56
